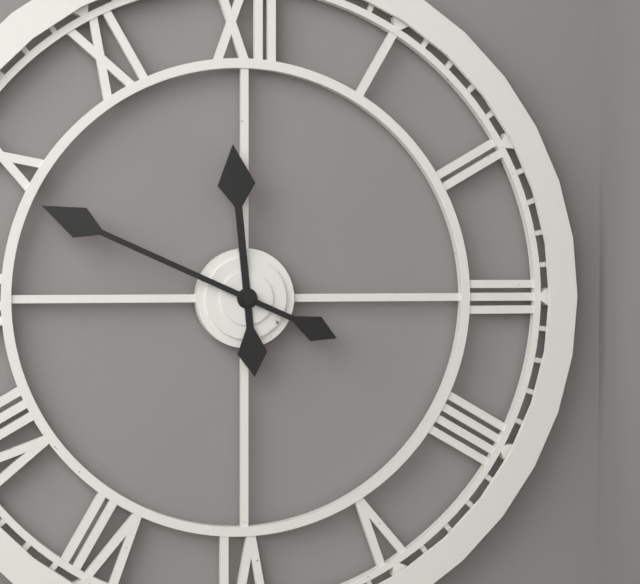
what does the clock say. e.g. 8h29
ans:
11h49
